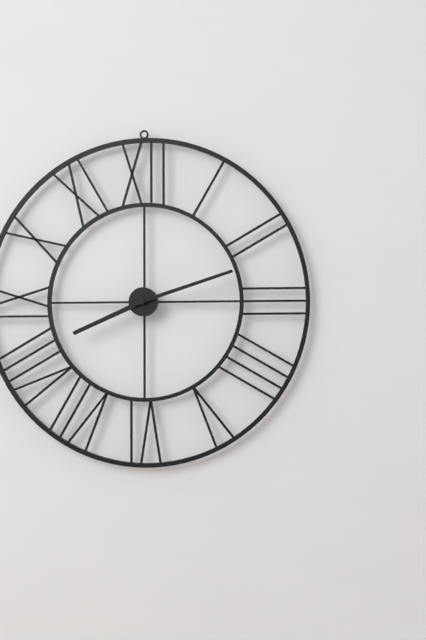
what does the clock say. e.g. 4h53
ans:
8h12
